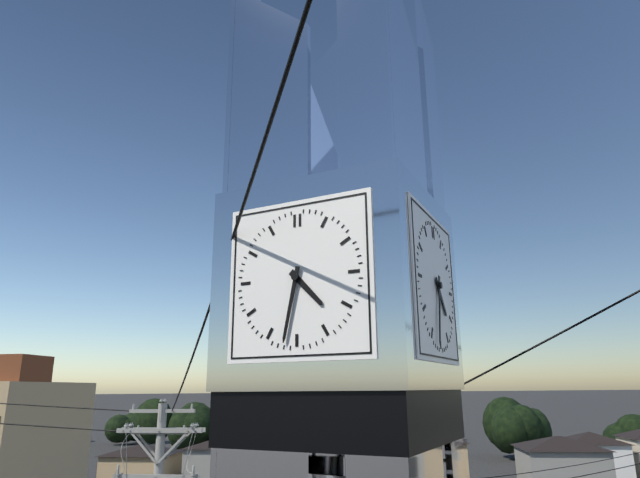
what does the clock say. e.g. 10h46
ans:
4h32
